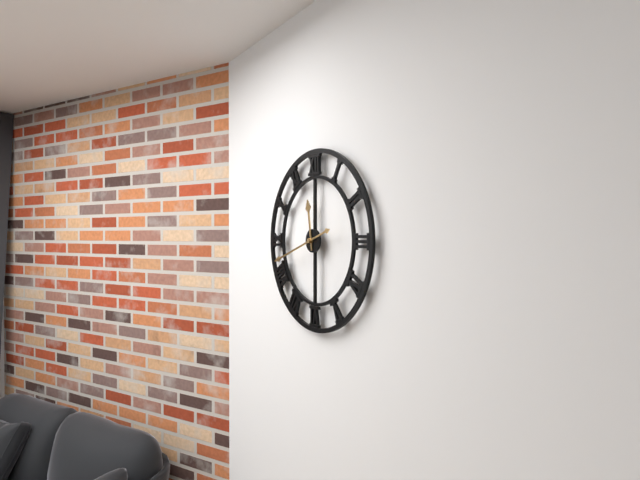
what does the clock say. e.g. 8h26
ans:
11h42
